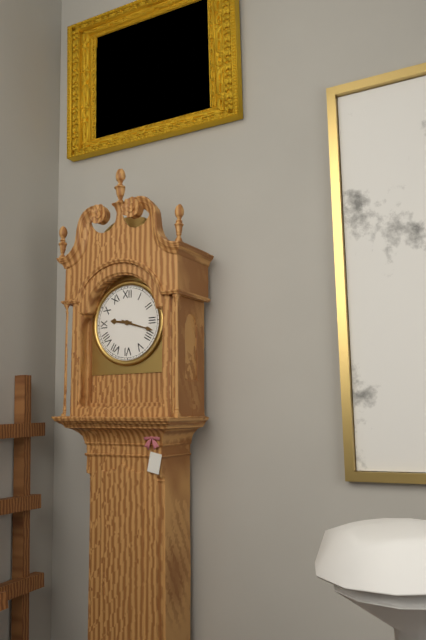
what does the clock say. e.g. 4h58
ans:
9h18
